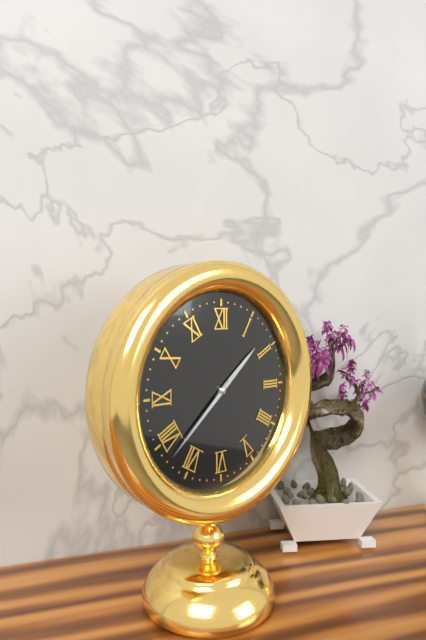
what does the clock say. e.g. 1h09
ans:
1h38
